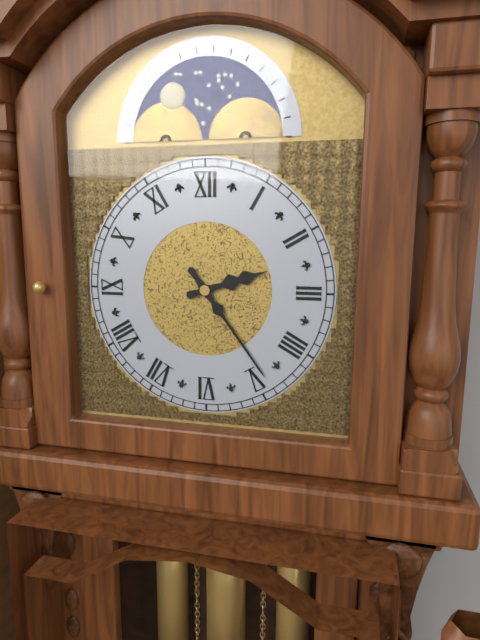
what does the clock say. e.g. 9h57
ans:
2h24
